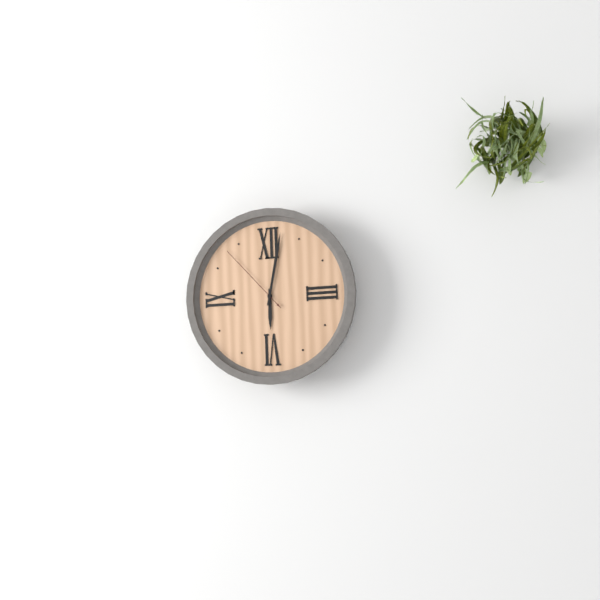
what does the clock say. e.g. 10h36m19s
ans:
6h02m53s
